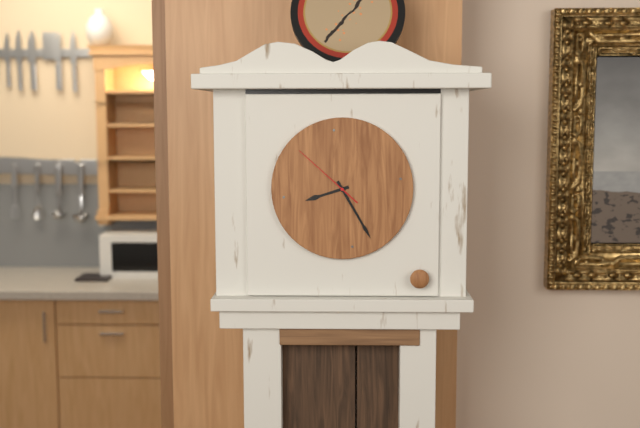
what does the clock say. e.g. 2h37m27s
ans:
8h25m52s
